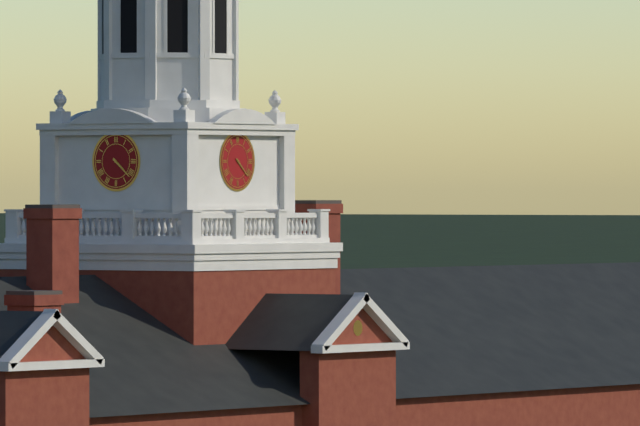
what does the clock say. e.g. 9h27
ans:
4h22
